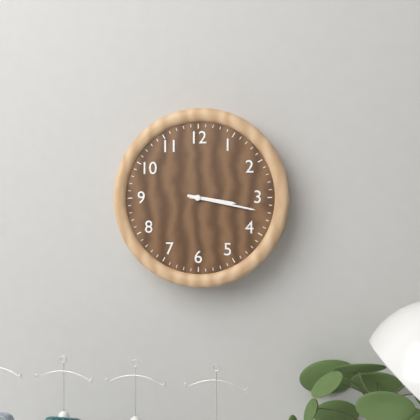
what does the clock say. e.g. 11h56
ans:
3h17
